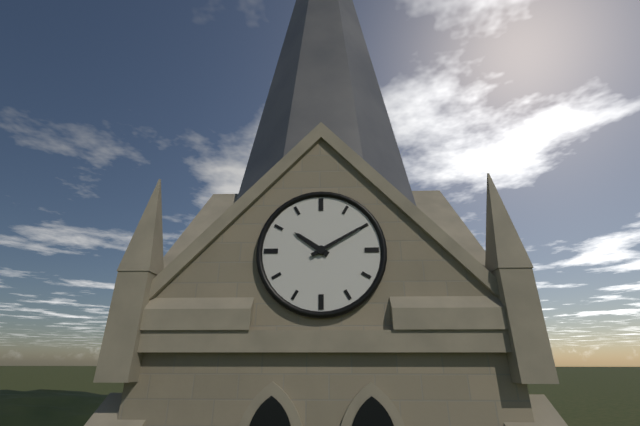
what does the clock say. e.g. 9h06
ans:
10h10
